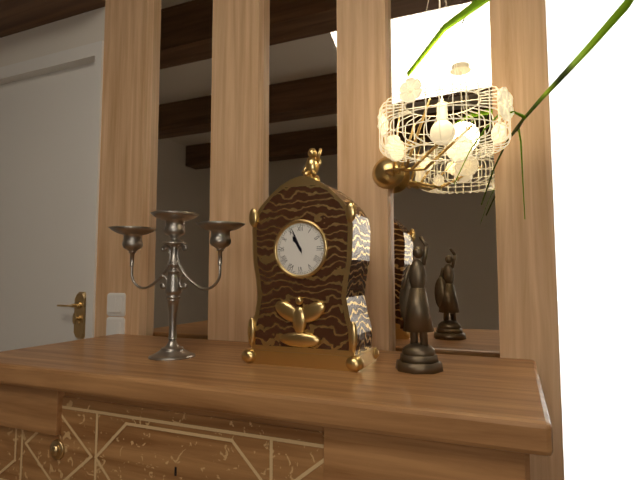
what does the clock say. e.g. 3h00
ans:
10h56
